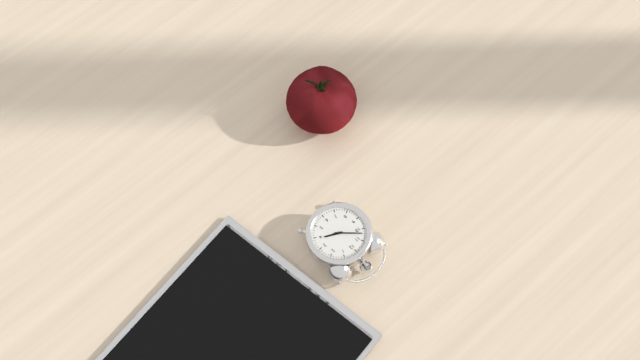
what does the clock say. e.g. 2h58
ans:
3h52
